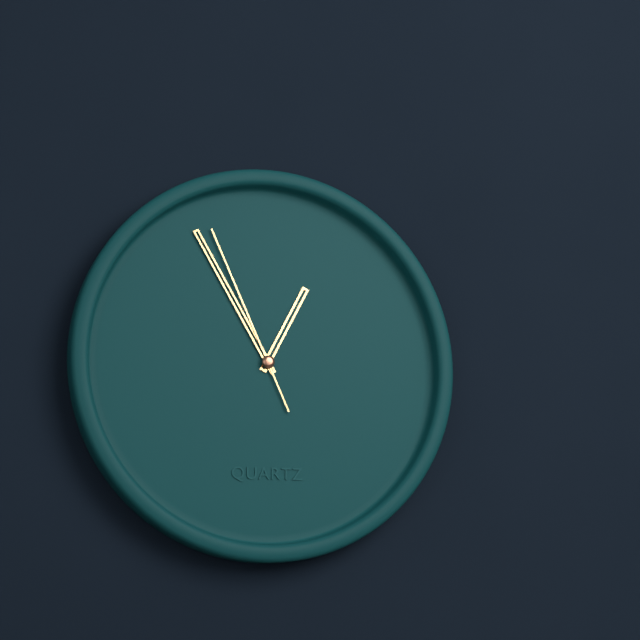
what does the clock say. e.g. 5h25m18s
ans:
12h55m56s
